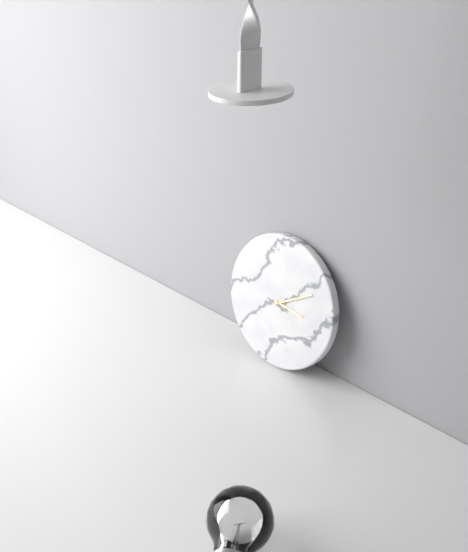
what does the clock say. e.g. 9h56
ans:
3h10
